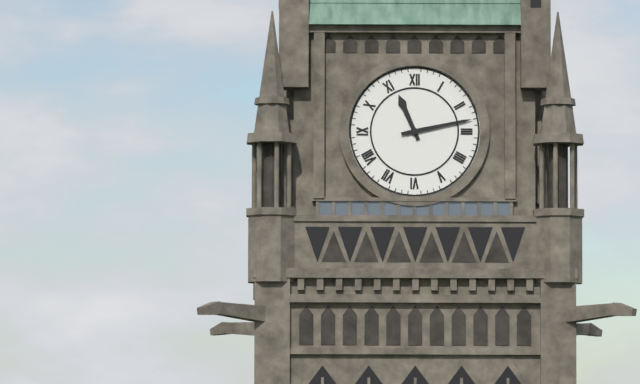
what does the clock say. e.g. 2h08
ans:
11h13
